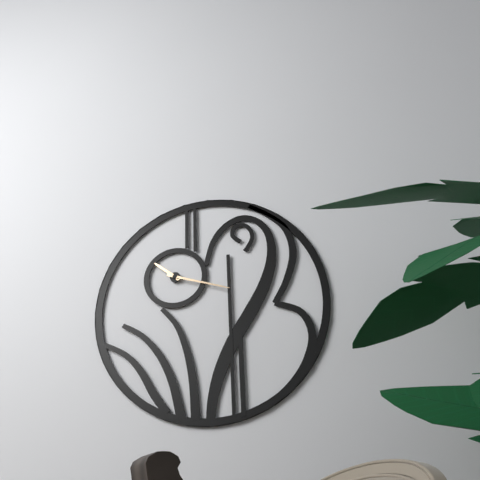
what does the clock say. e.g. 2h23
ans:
10h18
